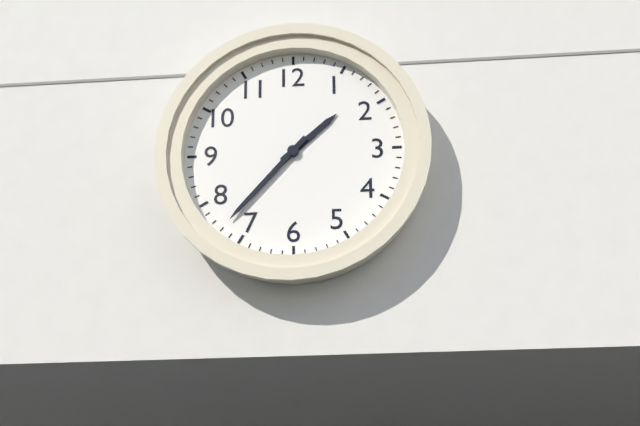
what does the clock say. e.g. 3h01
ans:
1h37
